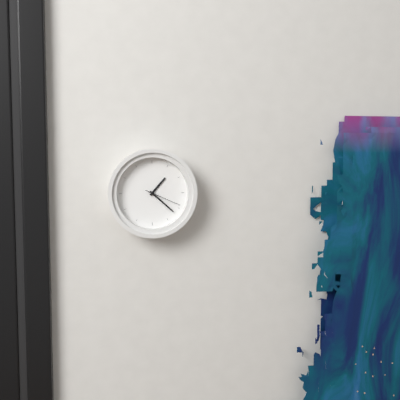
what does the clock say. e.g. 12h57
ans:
1h22
